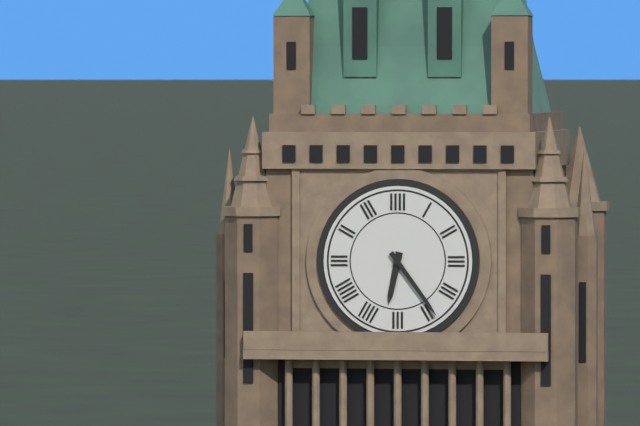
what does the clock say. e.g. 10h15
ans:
6h24
